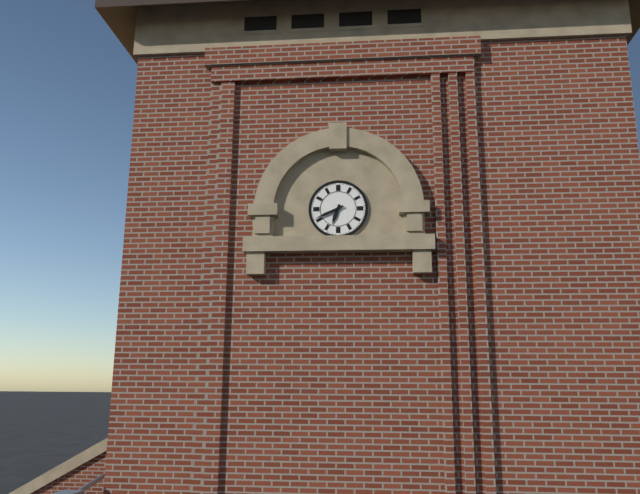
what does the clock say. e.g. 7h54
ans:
6h41
